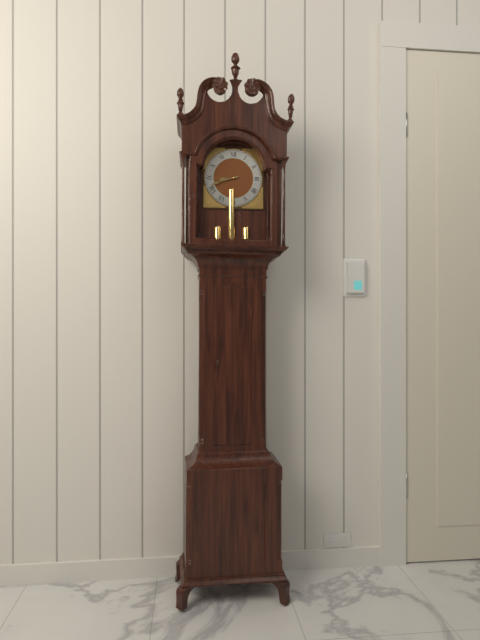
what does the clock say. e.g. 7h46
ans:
8h42
